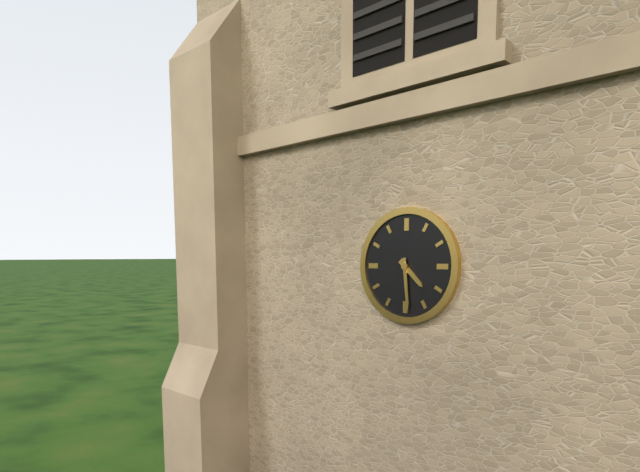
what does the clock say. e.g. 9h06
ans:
4h29
